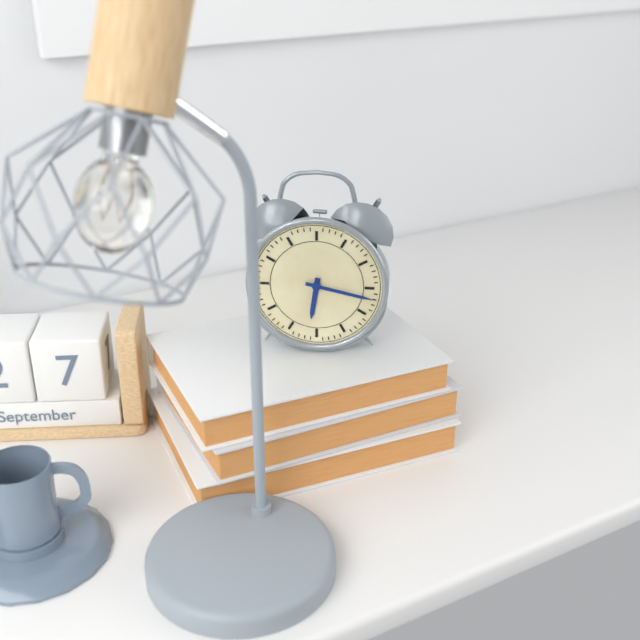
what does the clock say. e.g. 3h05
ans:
6h17
